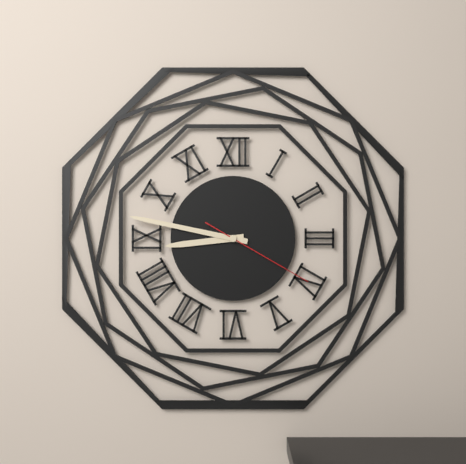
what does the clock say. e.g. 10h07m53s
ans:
8h47m20s
